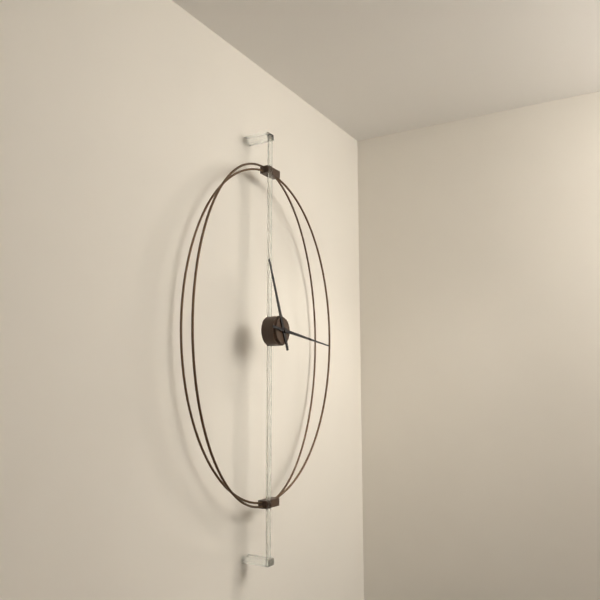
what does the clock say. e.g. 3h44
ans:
11h16
